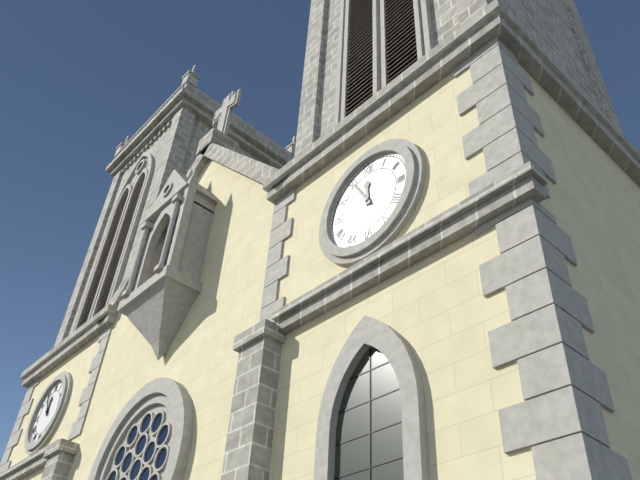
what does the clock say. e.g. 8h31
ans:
11h55
